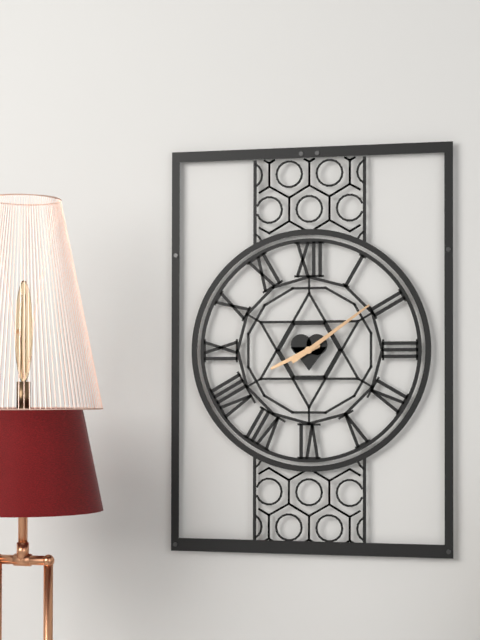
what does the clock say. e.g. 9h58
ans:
8h09
